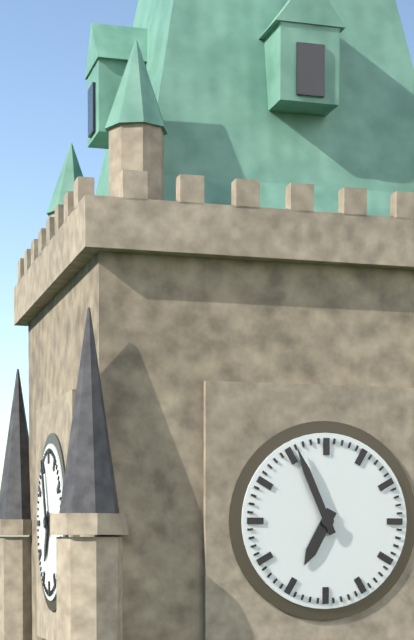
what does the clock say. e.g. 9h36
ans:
6h56
